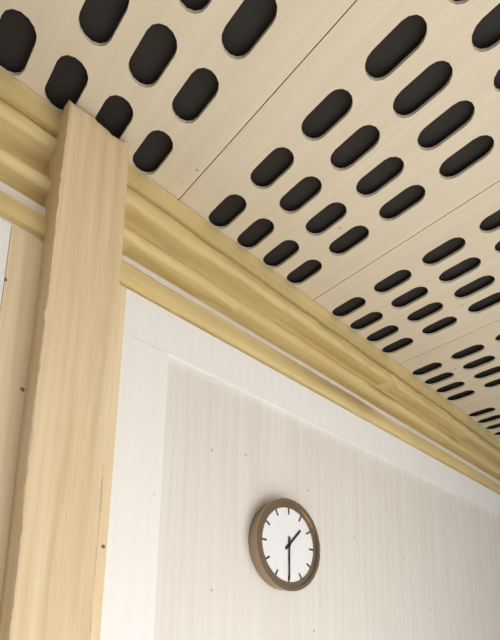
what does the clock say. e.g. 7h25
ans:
1h30
